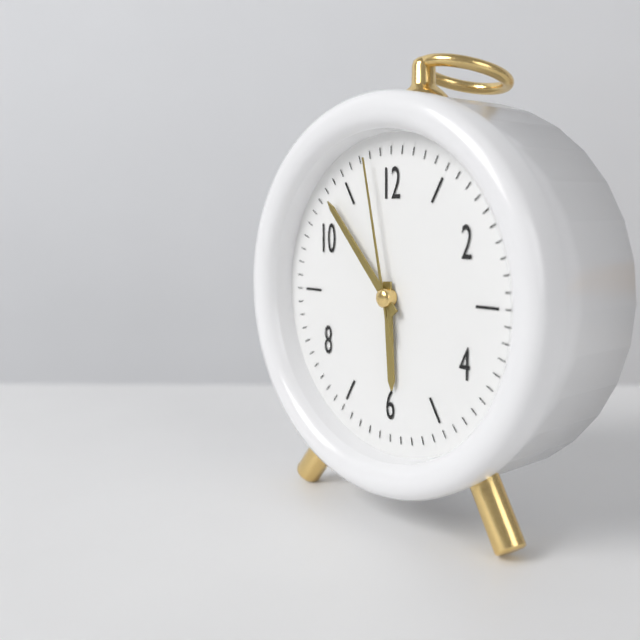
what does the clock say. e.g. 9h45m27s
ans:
5h53m58s
